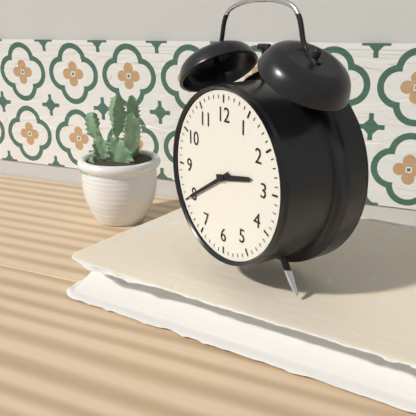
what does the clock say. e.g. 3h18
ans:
2h40
